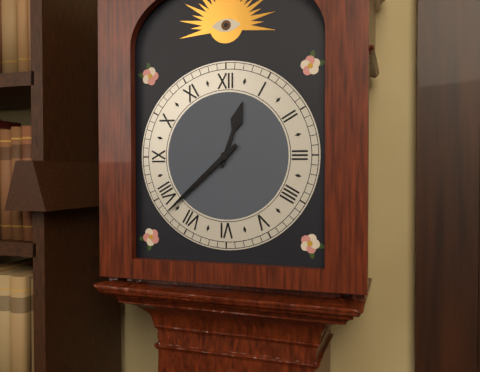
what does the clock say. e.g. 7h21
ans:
12h38
